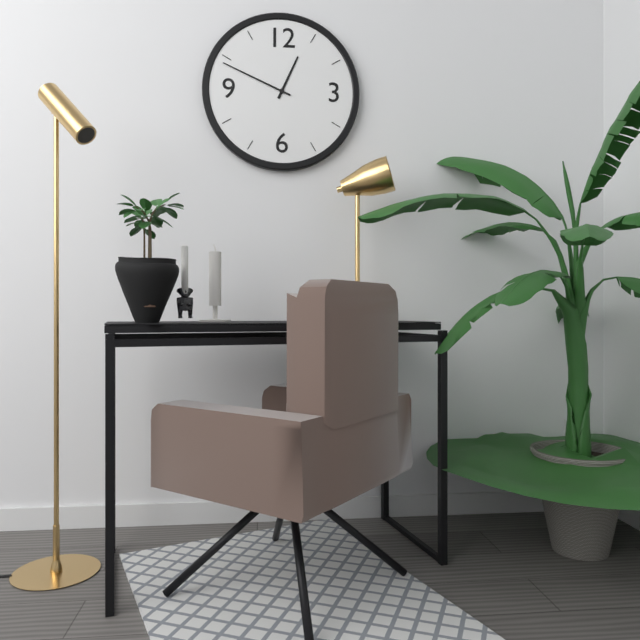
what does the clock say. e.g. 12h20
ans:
12h49
